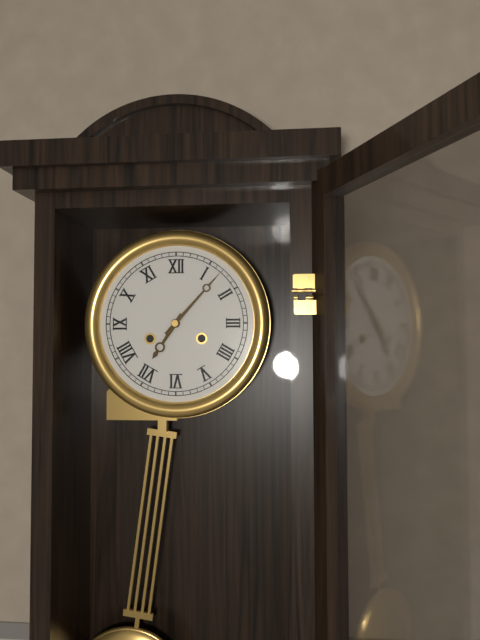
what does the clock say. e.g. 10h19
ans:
7h07
